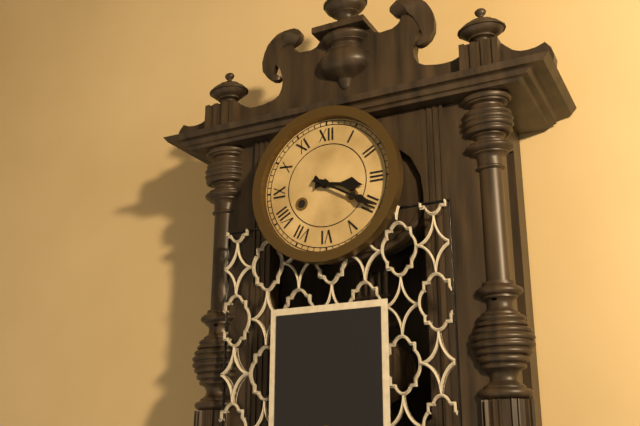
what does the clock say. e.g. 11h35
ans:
3h20
